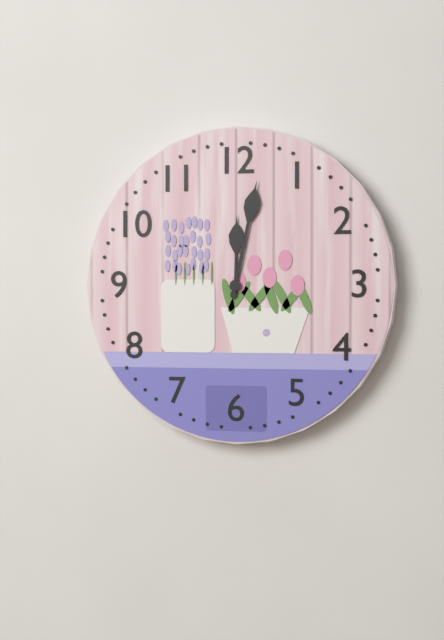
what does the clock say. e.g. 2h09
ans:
12h02
